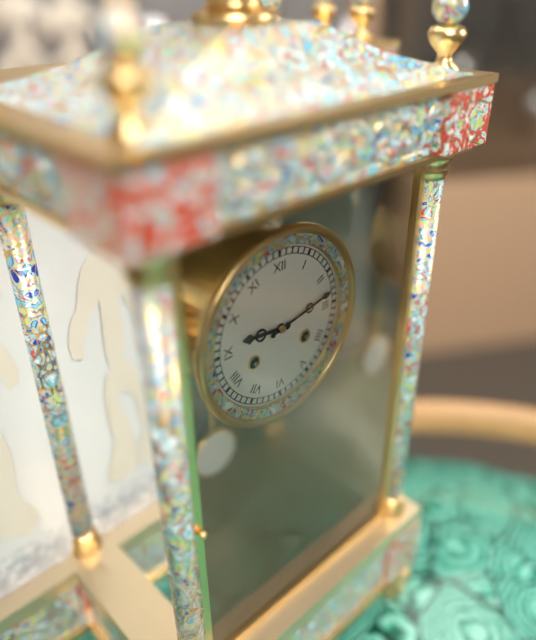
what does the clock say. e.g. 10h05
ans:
9h13
